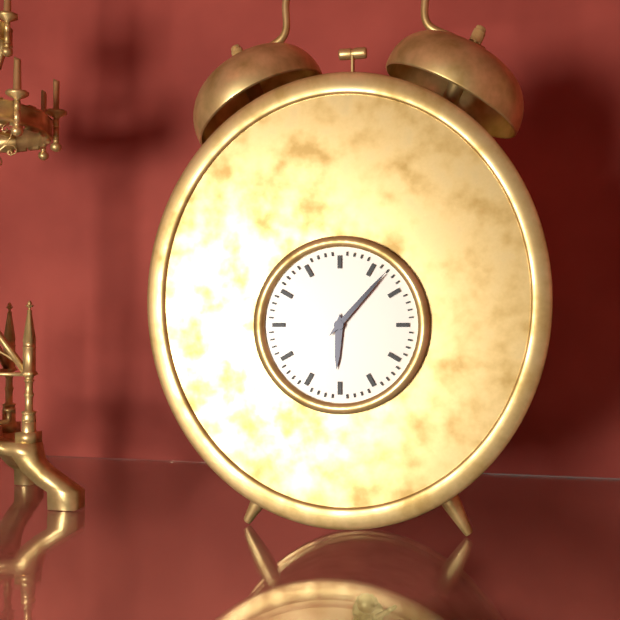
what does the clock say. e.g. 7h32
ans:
6h07
